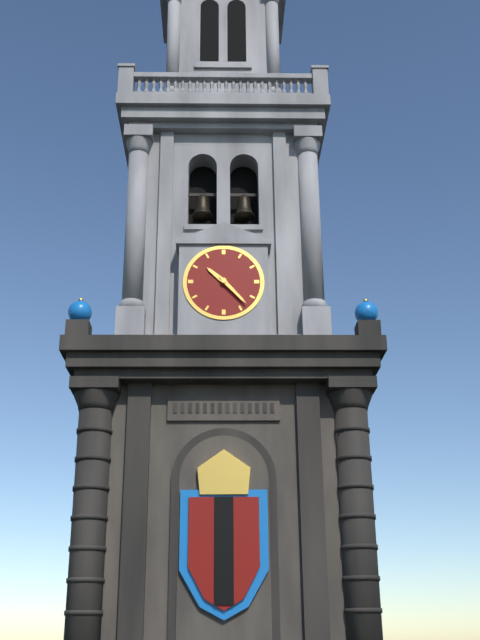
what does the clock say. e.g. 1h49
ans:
10h23
